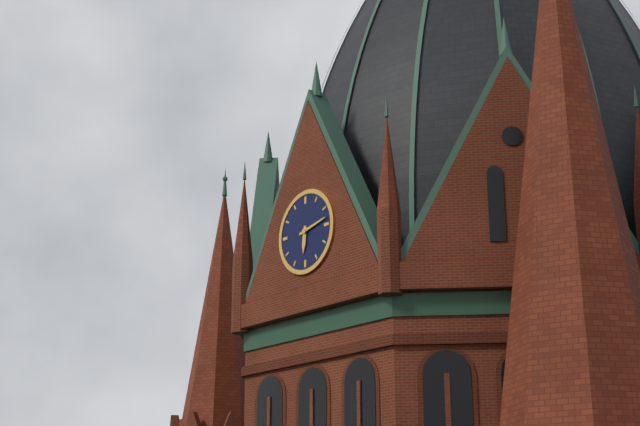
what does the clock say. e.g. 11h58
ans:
6h13
